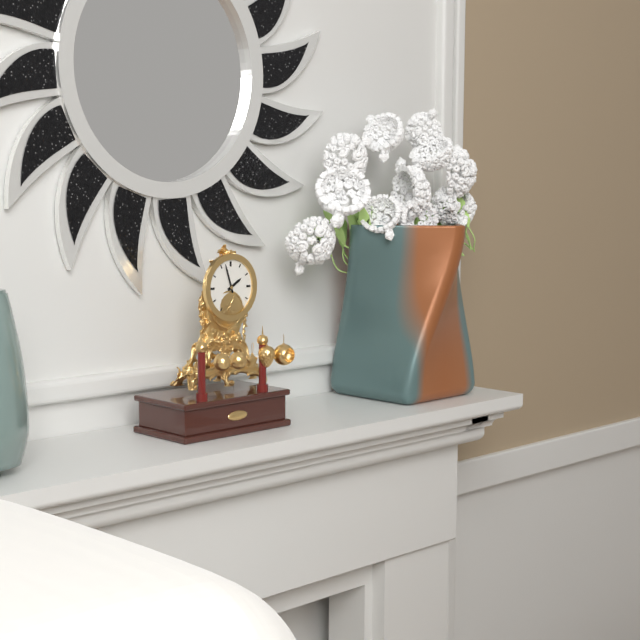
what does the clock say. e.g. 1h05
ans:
1h57
